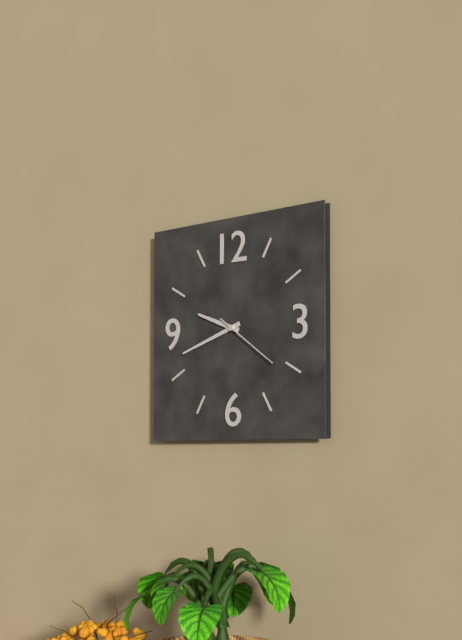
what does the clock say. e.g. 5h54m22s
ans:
9h42m21s
